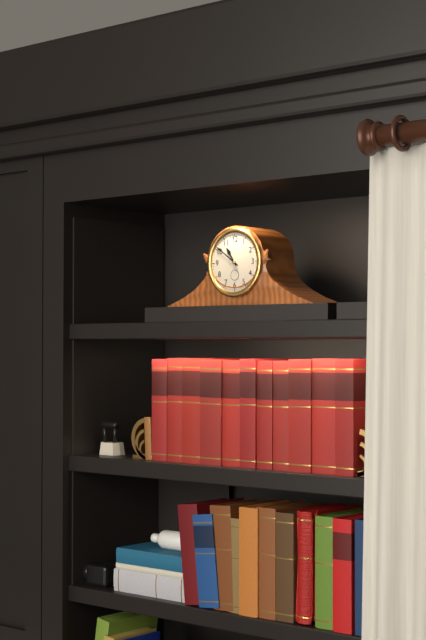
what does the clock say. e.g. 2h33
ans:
10h51
